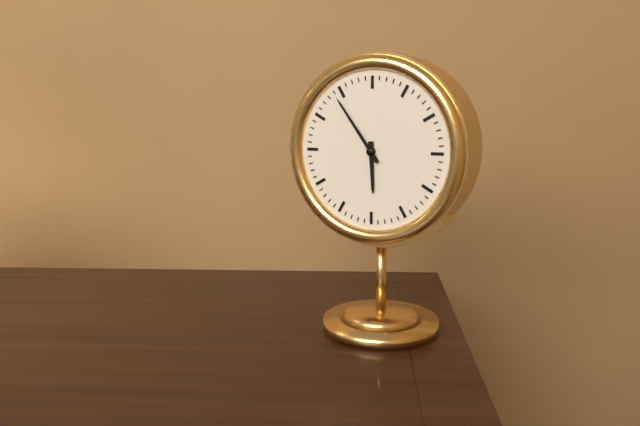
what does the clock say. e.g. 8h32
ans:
5h54
